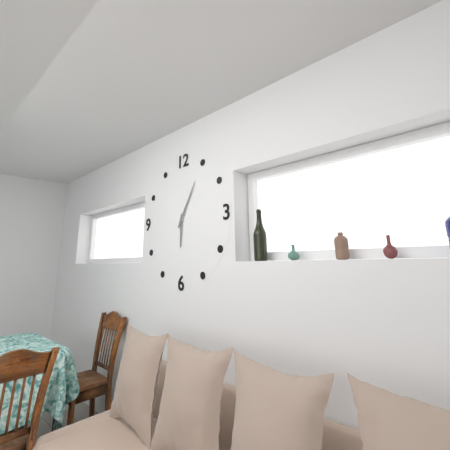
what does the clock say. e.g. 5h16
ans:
6h05
